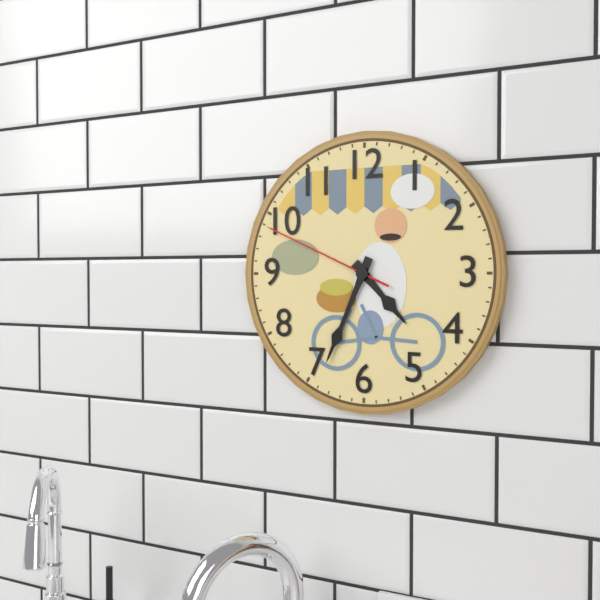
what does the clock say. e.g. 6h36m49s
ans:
4h34m49s
